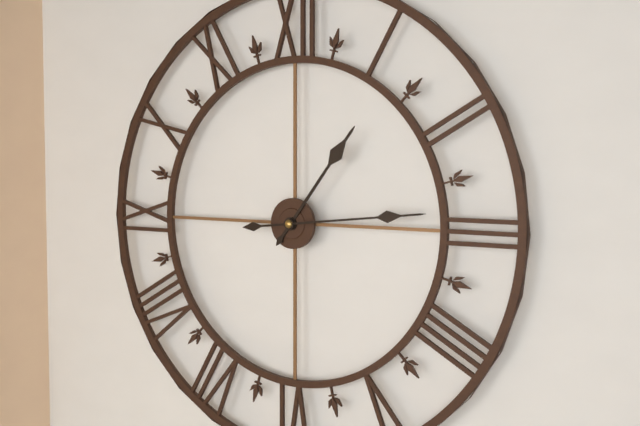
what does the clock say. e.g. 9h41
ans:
1h14
